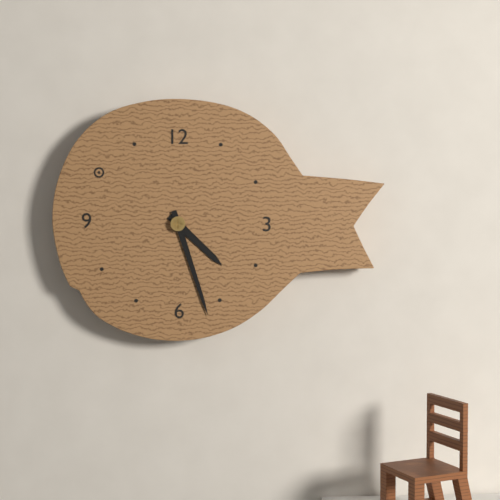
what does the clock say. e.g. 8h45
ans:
4h27
